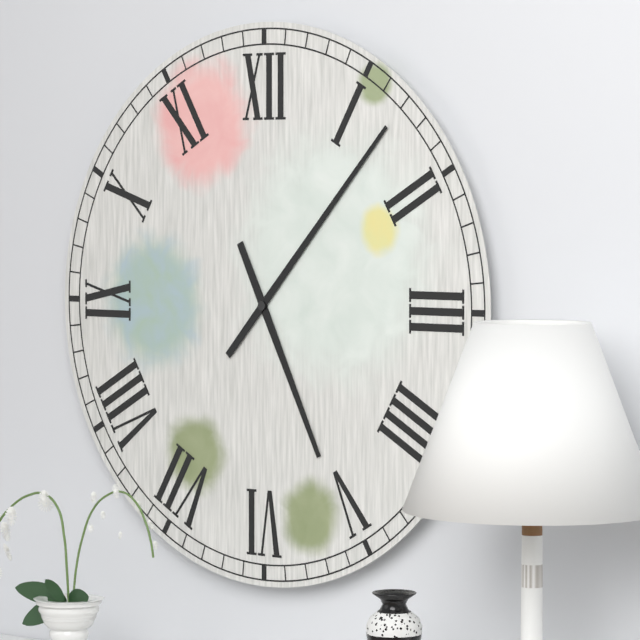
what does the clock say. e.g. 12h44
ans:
5h07
